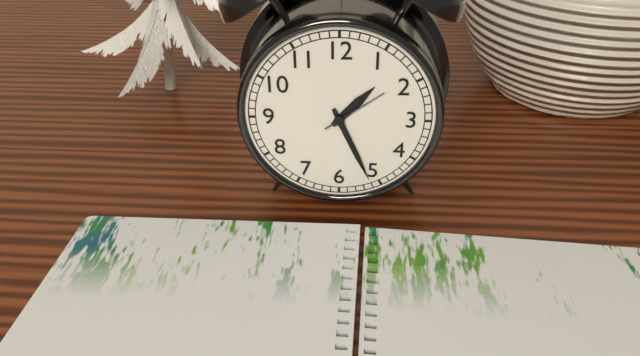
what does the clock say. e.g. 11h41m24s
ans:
1h26m09s
